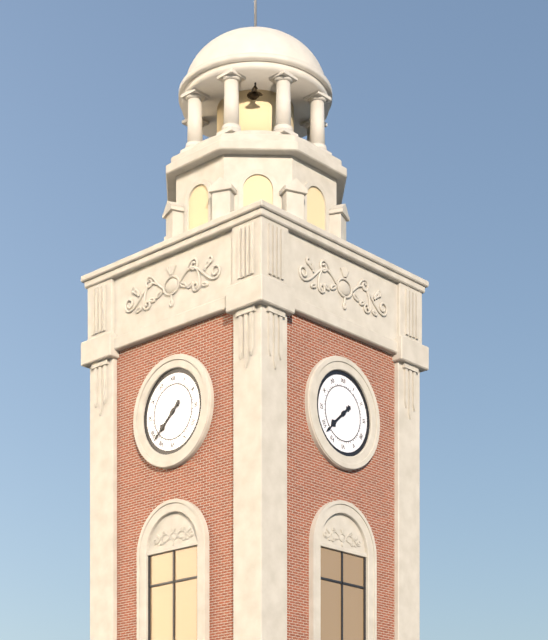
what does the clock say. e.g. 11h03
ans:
7h38
